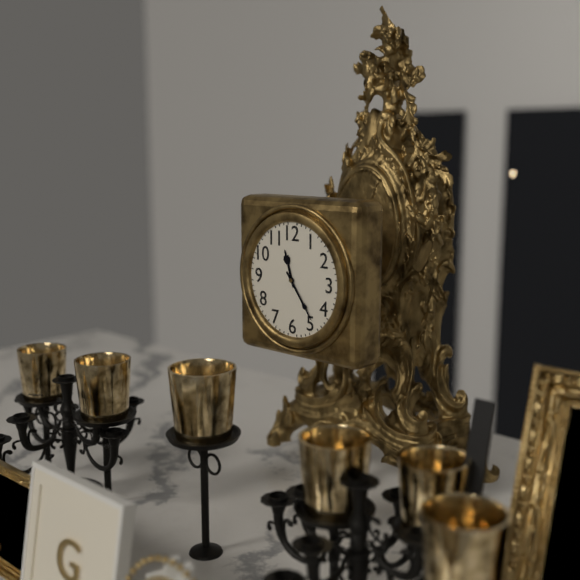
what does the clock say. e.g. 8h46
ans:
11h24
